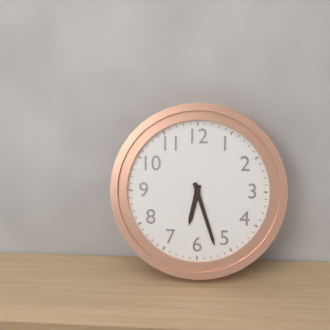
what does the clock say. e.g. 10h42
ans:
6h27
